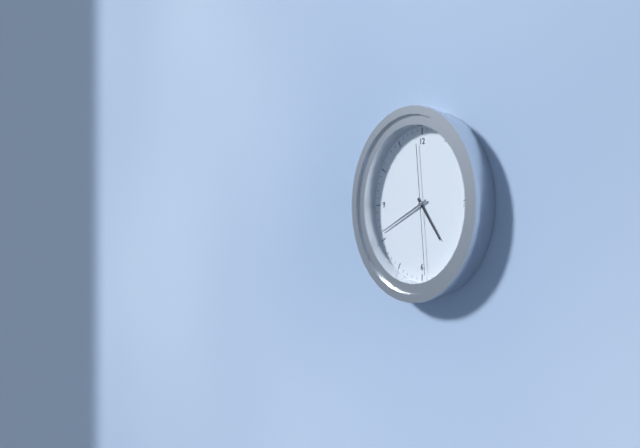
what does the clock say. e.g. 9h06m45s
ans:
4h41m29s
